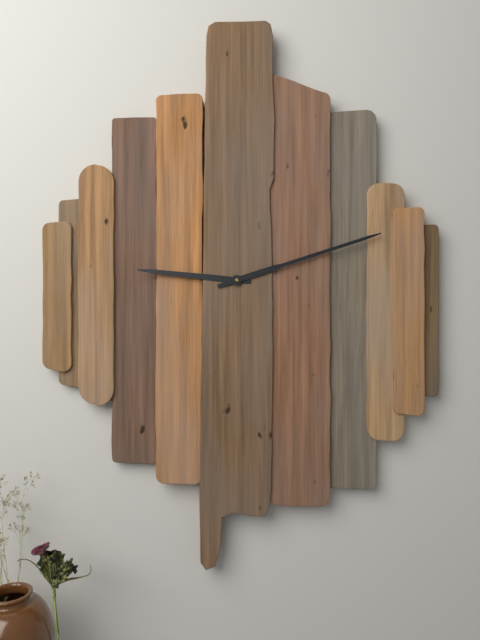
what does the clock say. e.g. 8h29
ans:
9h12
